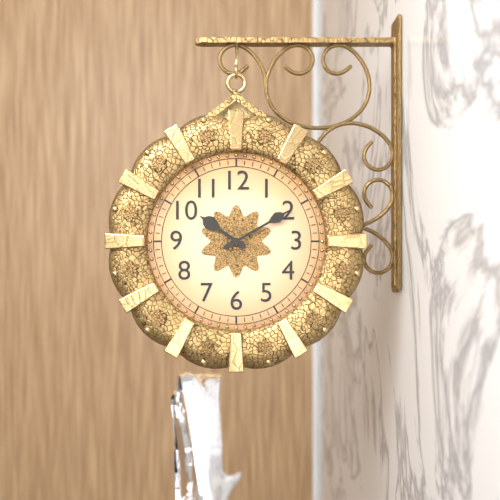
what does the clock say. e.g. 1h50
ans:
10h10
